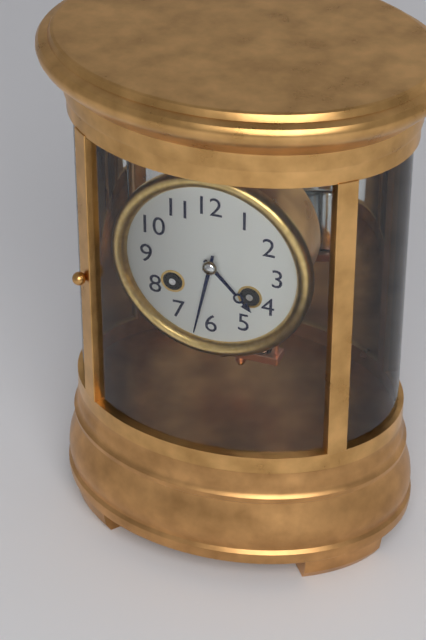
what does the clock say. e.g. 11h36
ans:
4h32
